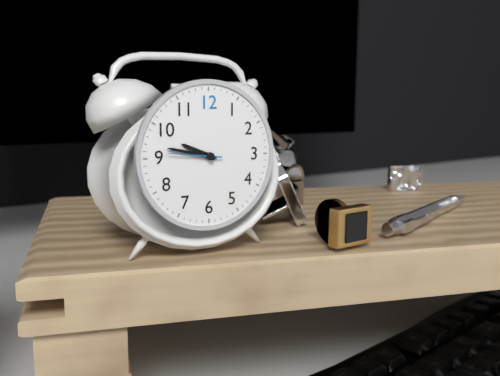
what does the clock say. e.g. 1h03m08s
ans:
9h47m46s
